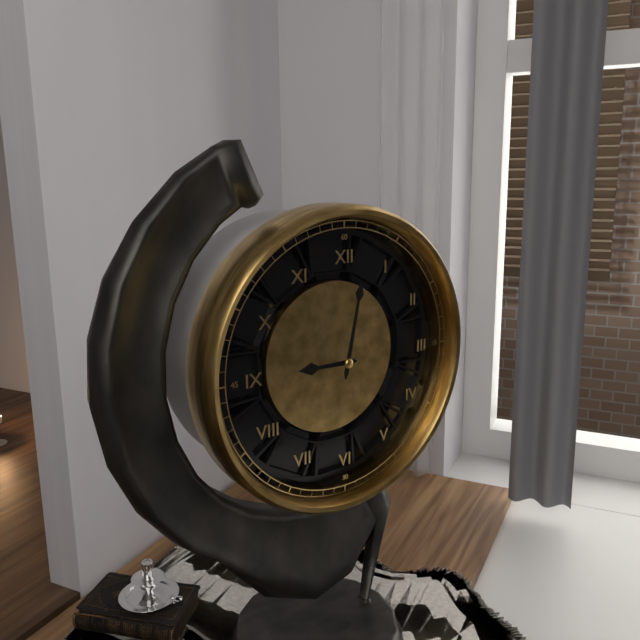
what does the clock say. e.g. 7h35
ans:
9h02
